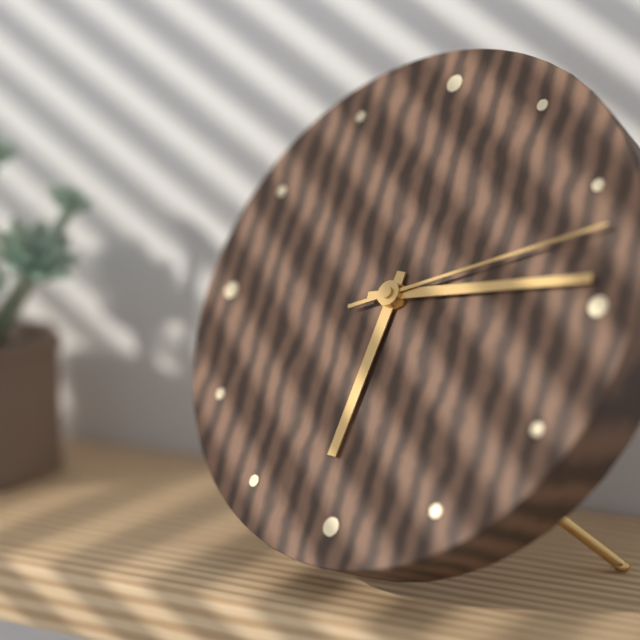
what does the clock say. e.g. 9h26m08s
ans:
6h14m12s
